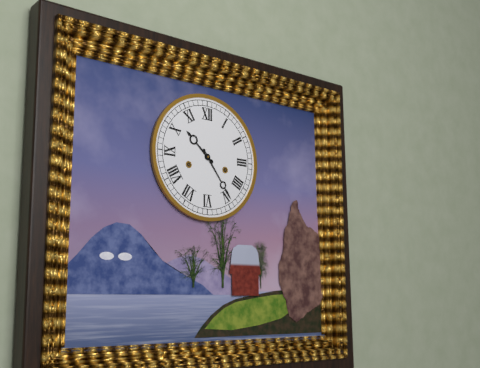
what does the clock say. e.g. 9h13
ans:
10h24
